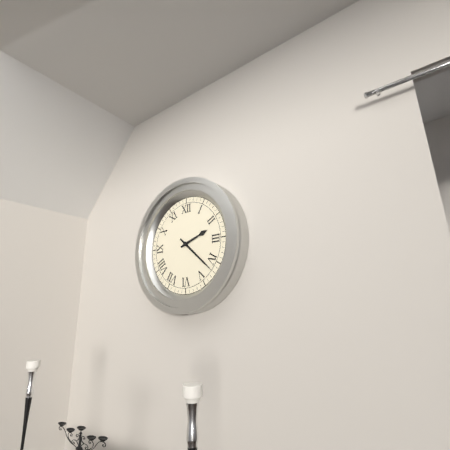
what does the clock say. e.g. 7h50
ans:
2h22
